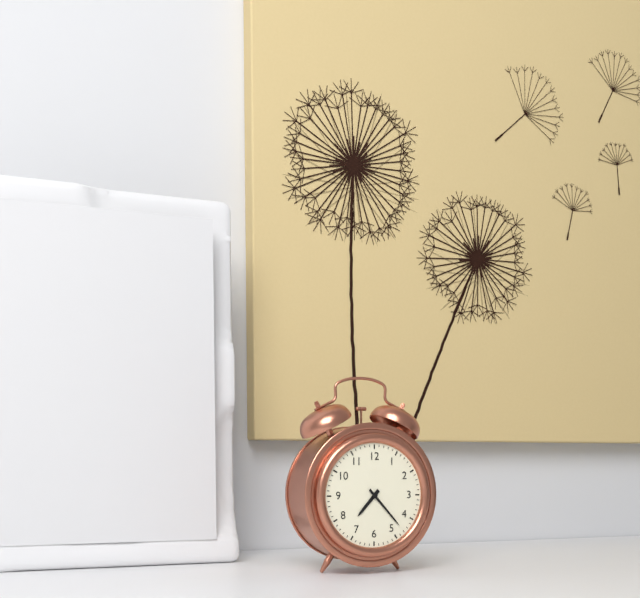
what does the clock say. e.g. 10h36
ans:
7h23
